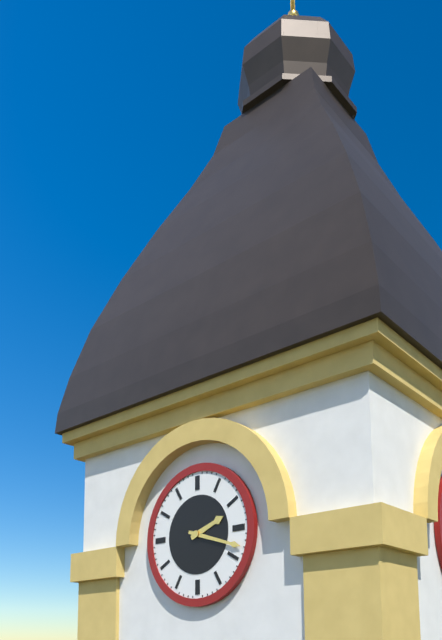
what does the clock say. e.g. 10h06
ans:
2h18
